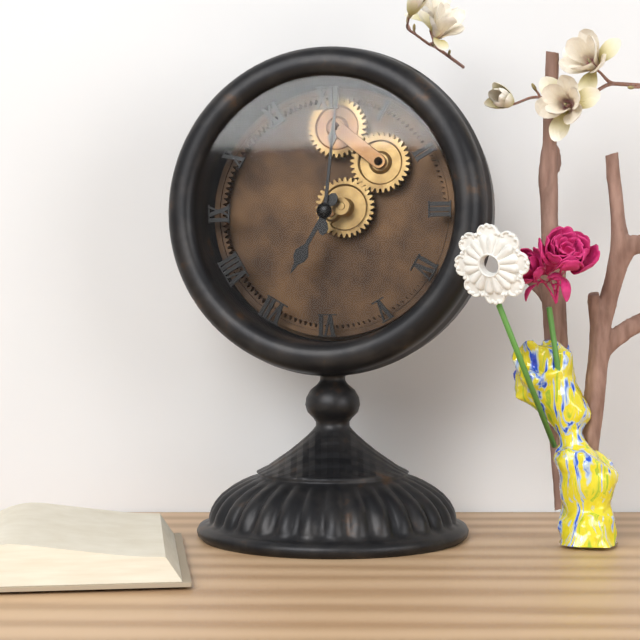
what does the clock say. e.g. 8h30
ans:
7h01
